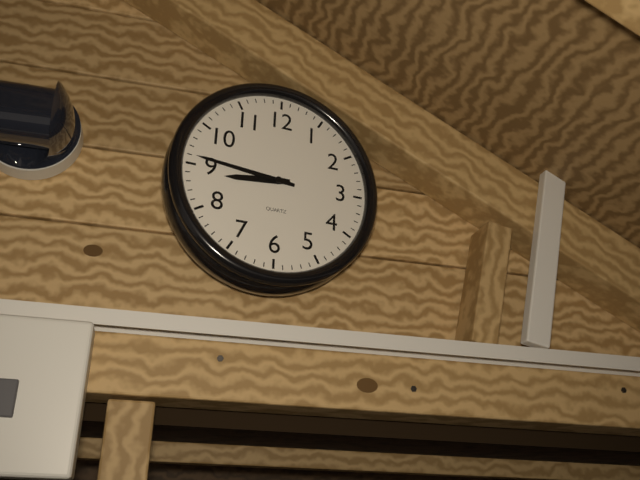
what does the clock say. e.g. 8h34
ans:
8h46
